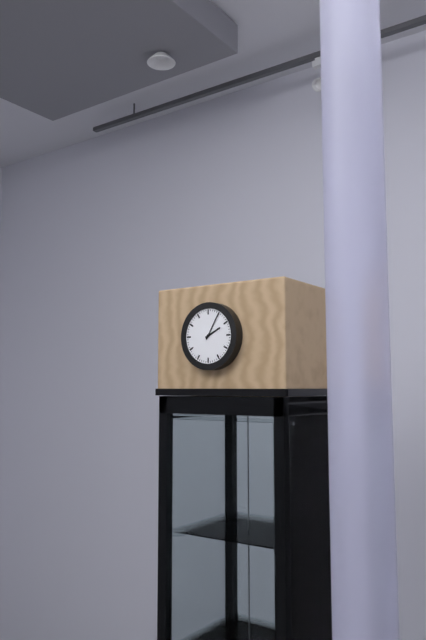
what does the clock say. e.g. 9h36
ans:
2h05
